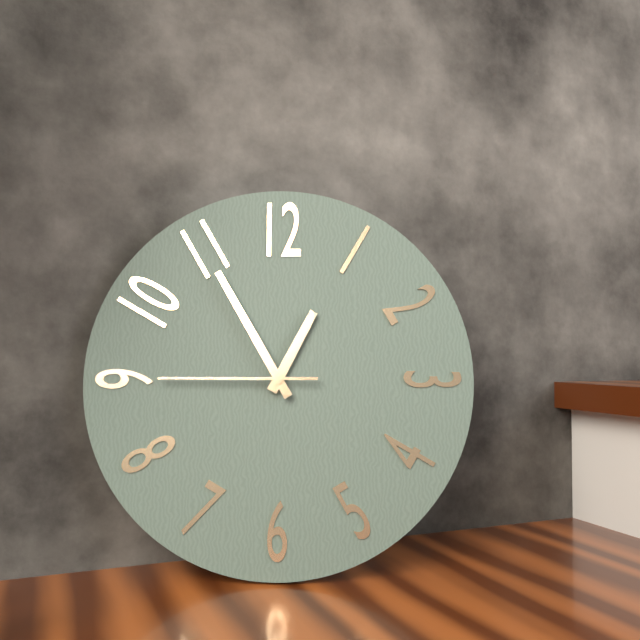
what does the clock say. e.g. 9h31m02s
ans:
12h55m45s
